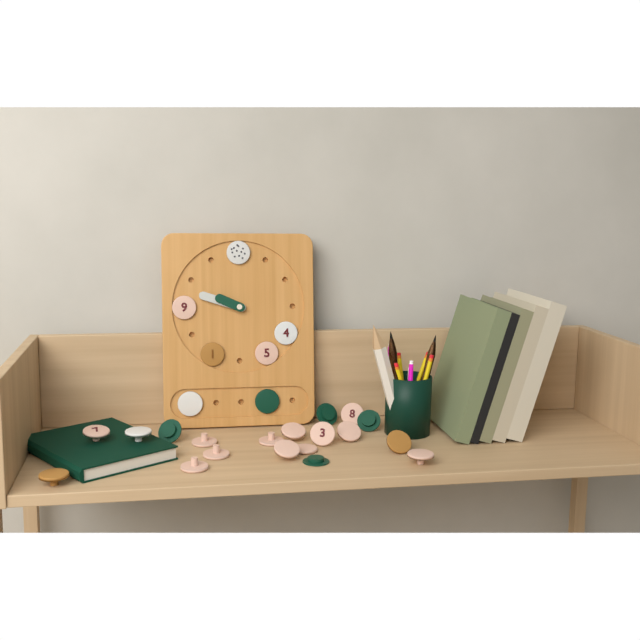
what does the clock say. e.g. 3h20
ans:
9h48
